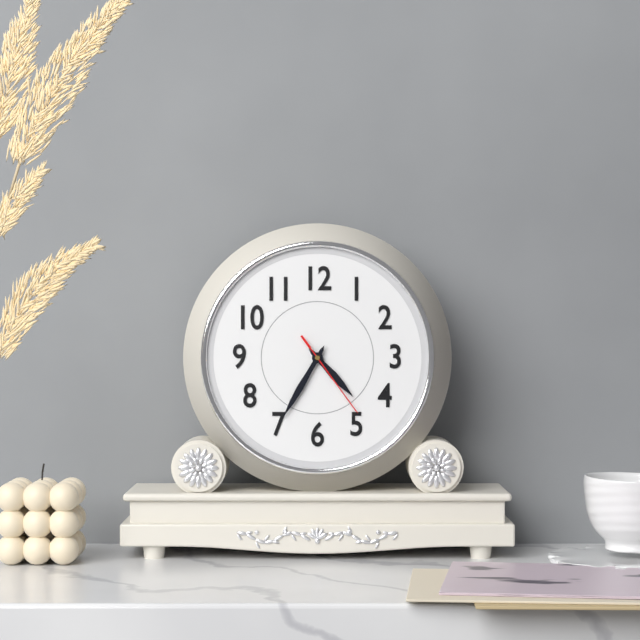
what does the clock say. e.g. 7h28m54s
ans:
4h35m24s
